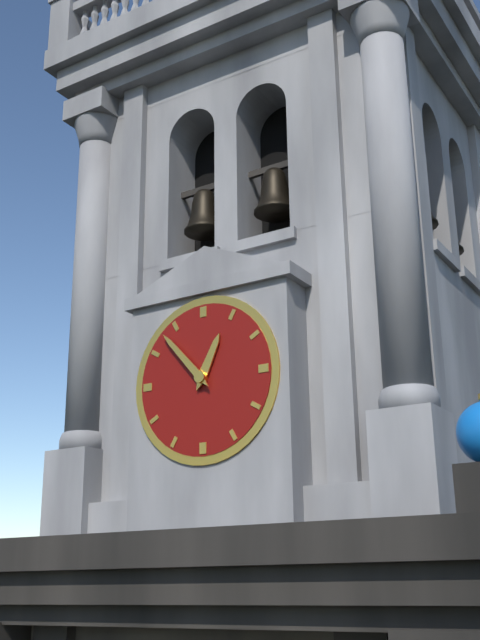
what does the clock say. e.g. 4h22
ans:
12h53
